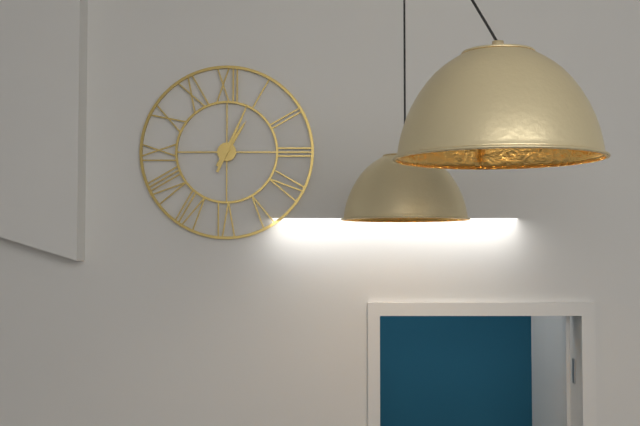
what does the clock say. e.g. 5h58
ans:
1h04
